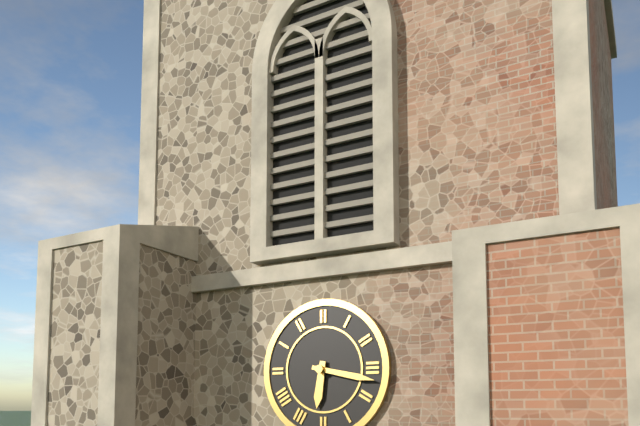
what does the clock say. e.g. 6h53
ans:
6h17
